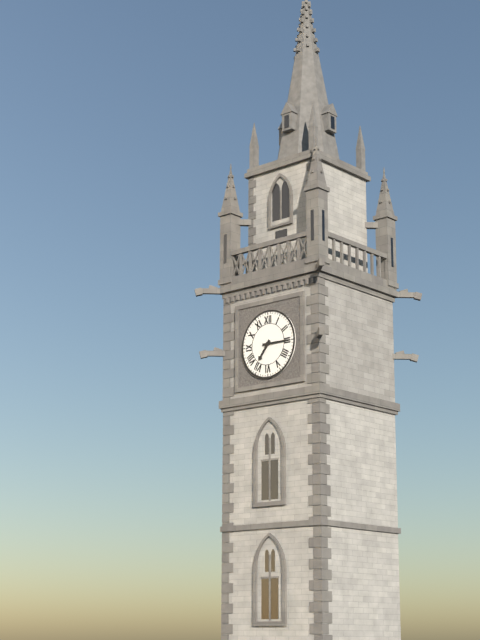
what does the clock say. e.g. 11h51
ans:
7h15
